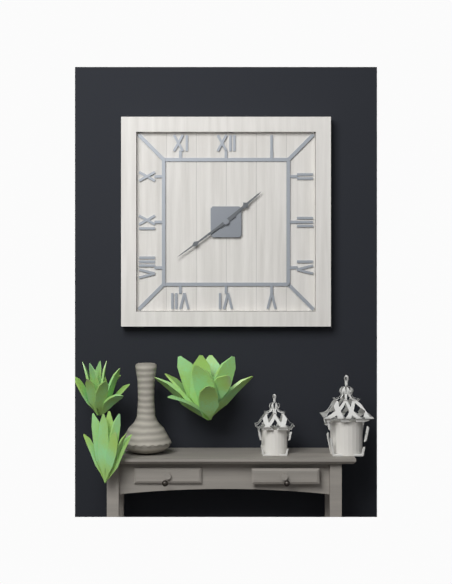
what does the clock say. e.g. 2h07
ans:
1h39
